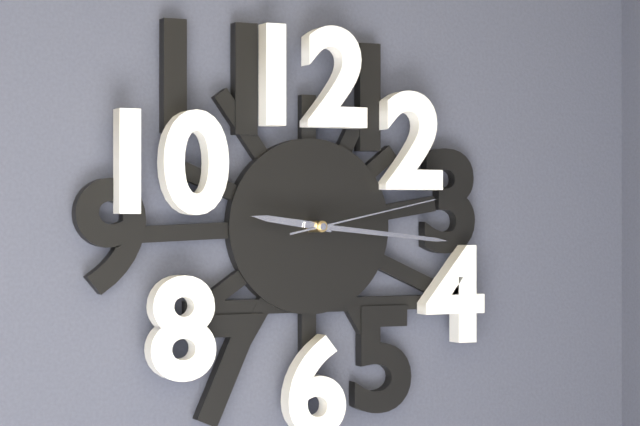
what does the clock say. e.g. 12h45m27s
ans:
9h16m13s
